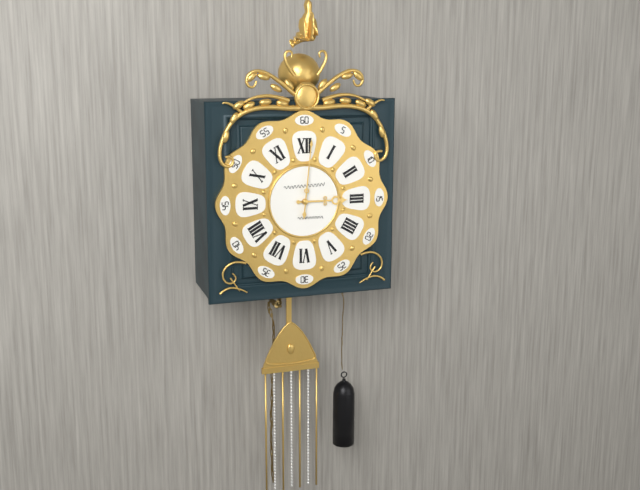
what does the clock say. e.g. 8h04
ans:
3h01
